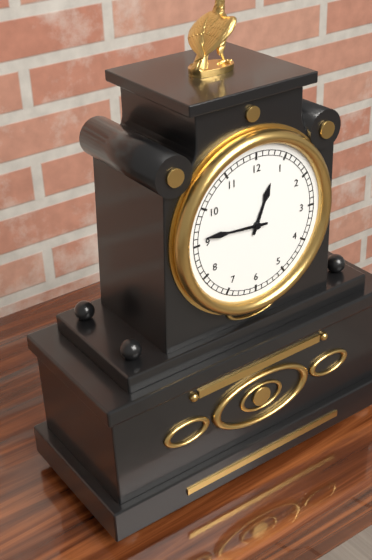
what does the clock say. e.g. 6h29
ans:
12h46
